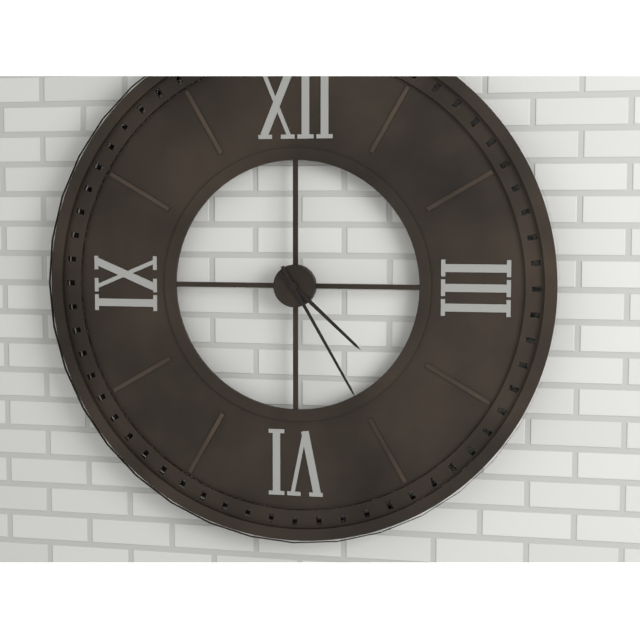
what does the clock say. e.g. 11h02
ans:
4h25
